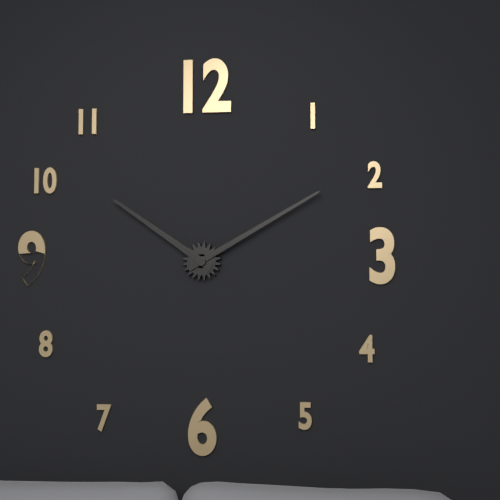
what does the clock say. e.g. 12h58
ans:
10h10
